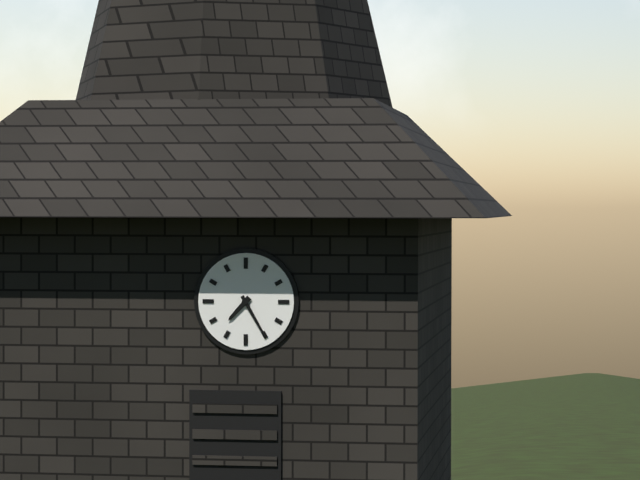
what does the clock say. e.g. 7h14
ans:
7h25
